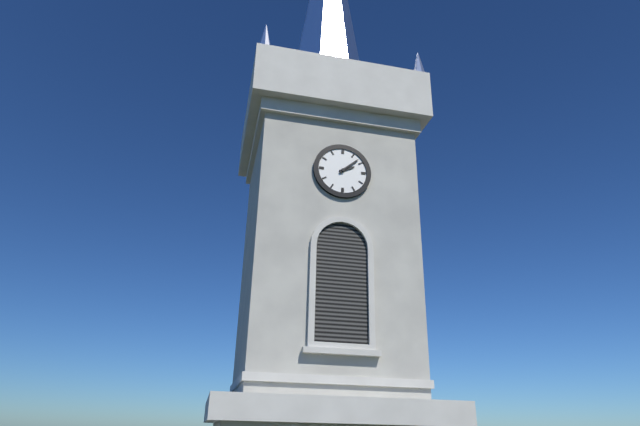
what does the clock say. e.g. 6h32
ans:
2h08
